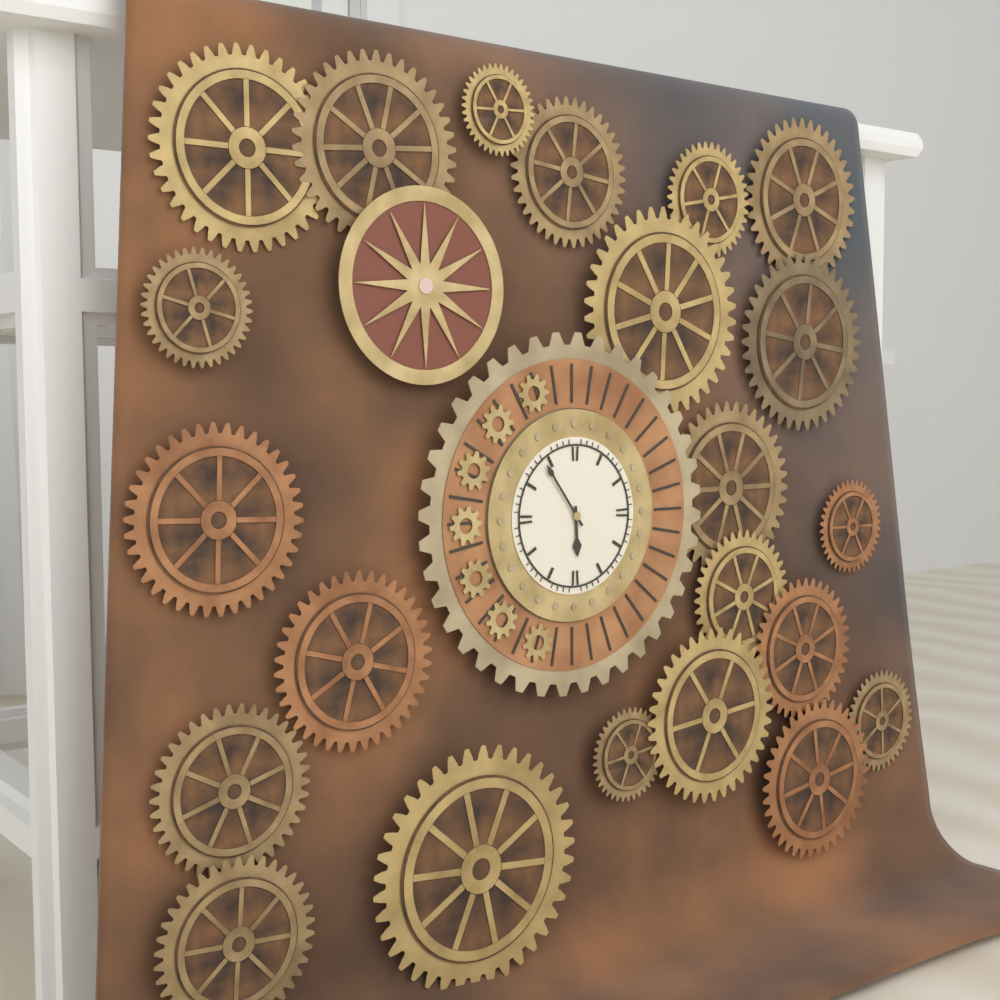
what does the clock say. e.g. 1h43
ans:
5h54
